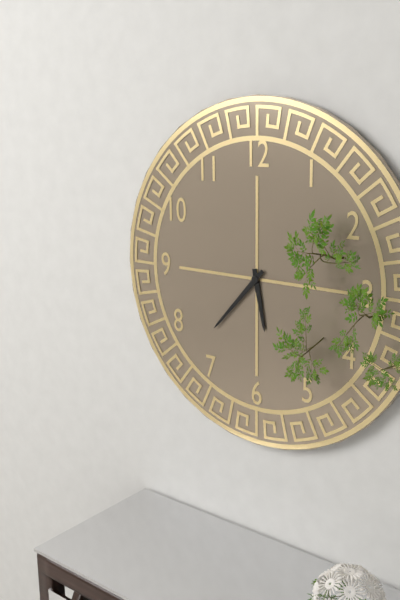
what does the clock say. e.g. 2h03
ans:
5h37
